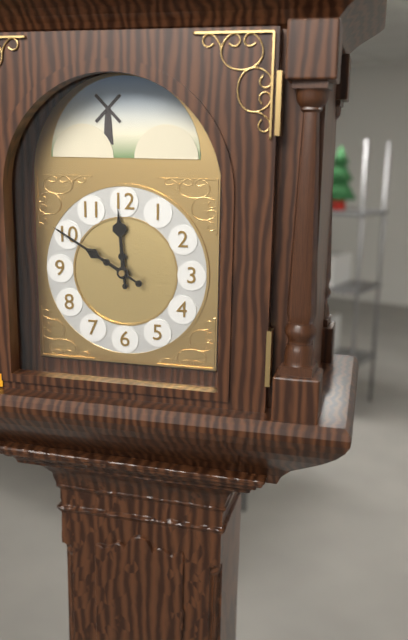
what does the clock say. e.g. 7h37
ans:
11h50
